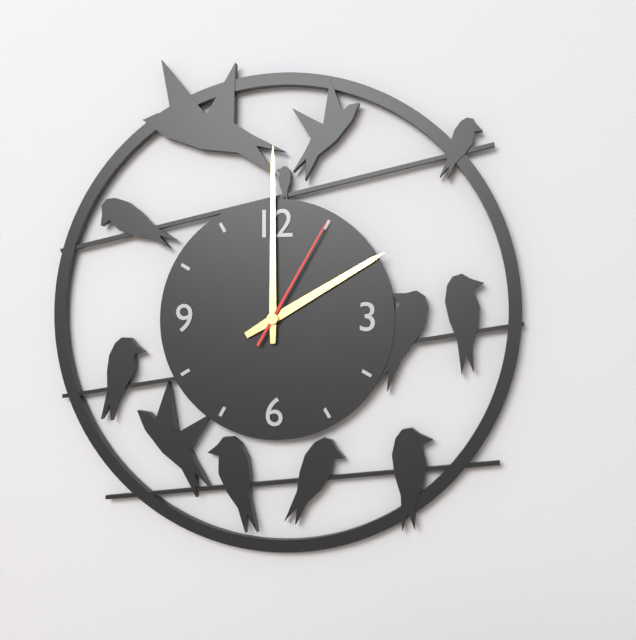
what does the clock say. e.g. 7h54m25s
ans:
2h00m05s
